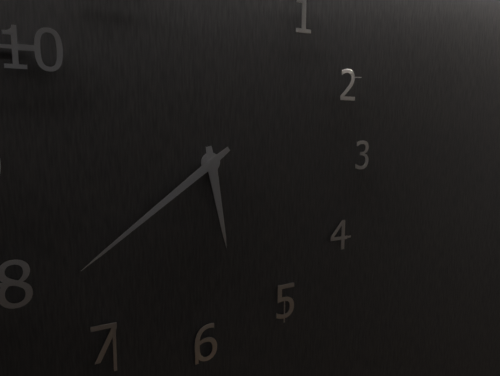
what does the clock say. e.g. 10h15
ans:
5h39
